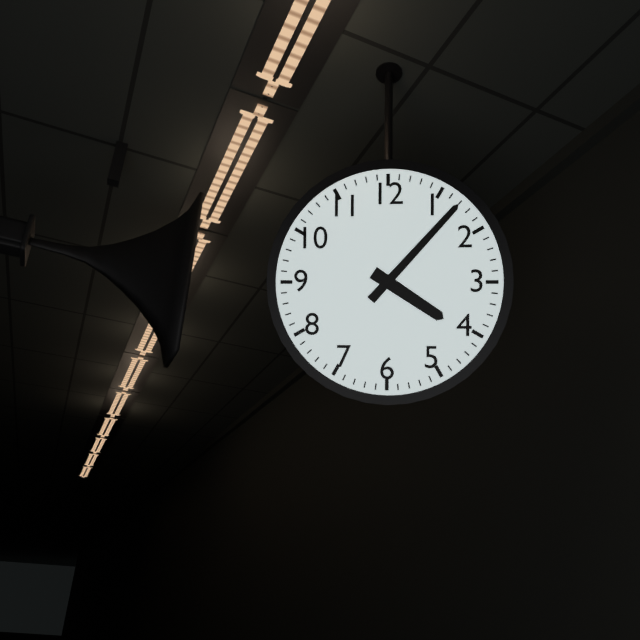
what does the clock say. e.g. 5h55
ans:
4h07
